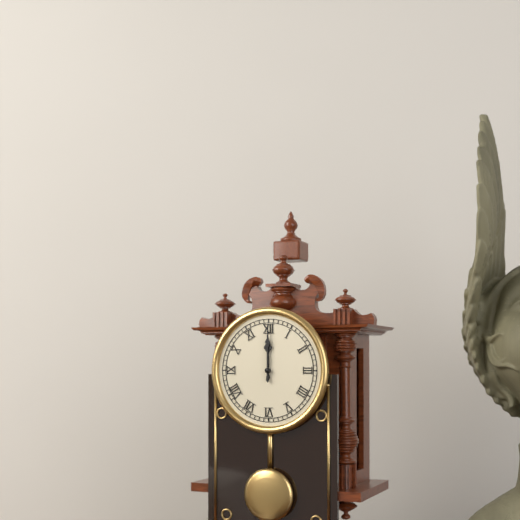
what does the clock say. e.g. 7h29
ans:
12h00
